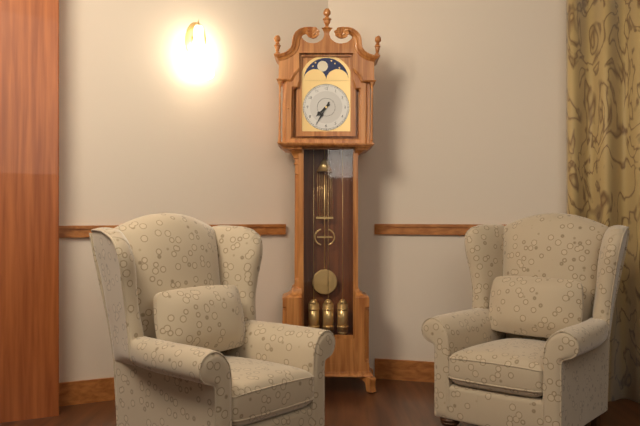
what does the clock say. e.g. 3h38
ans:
7h35
